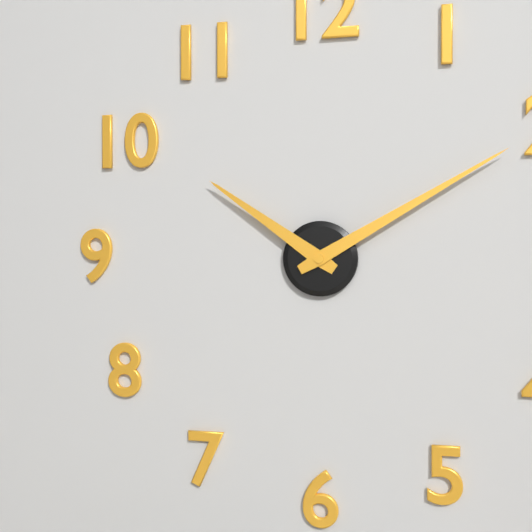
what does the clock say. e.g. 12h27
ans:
10h10
